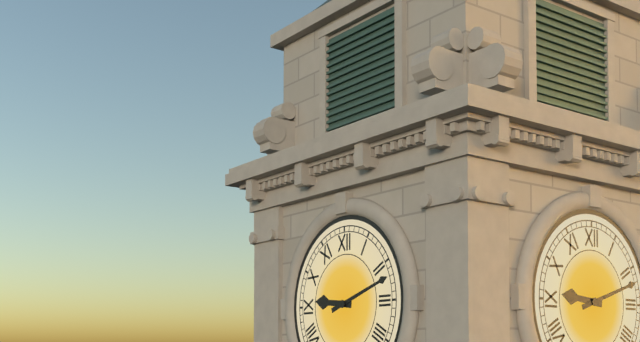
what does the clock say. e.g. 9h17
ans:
9h12
